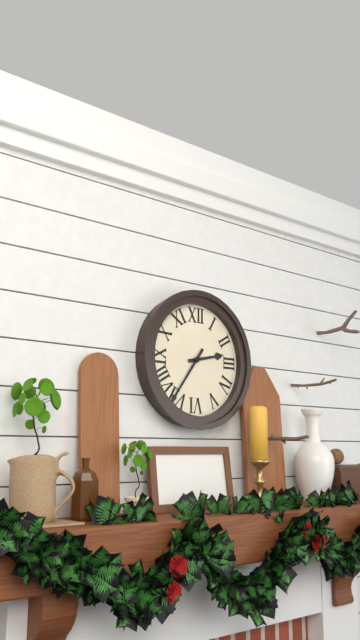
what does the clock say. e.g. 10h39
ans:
2h36
